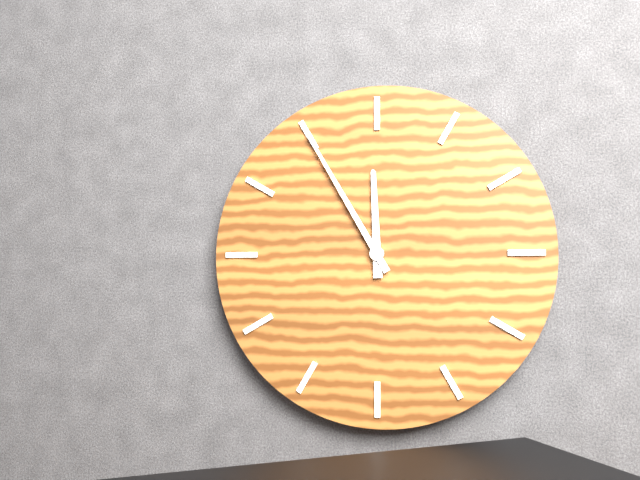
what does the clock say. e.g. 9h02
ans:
11h55
